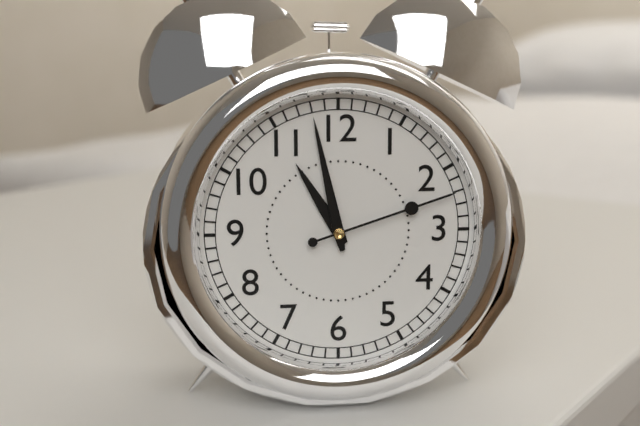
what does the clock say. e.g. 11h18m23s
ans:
10h58m12s
